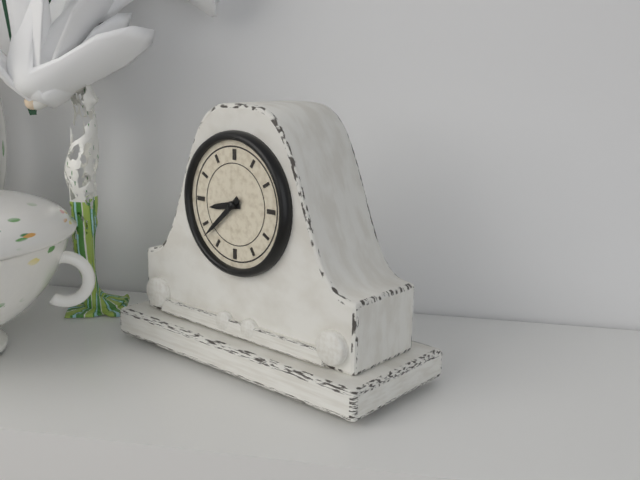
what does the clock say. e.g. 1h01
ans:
8h38
